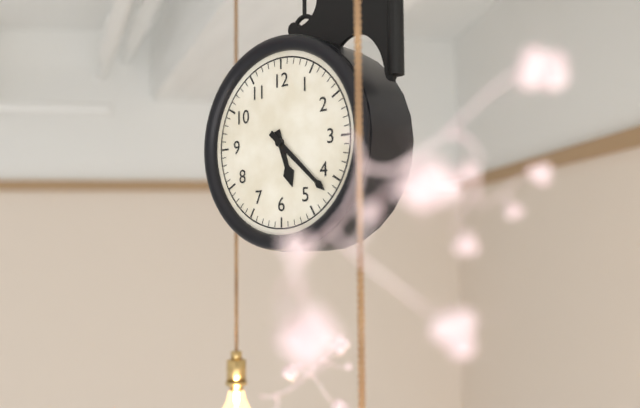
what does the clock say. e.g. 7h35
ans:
5h22
